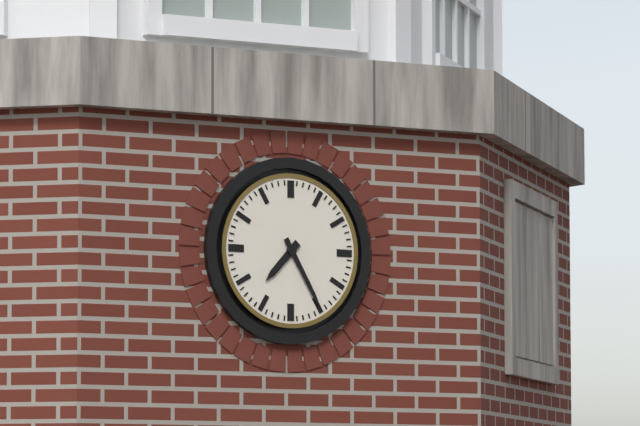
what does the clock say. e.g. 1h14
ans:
7h25
